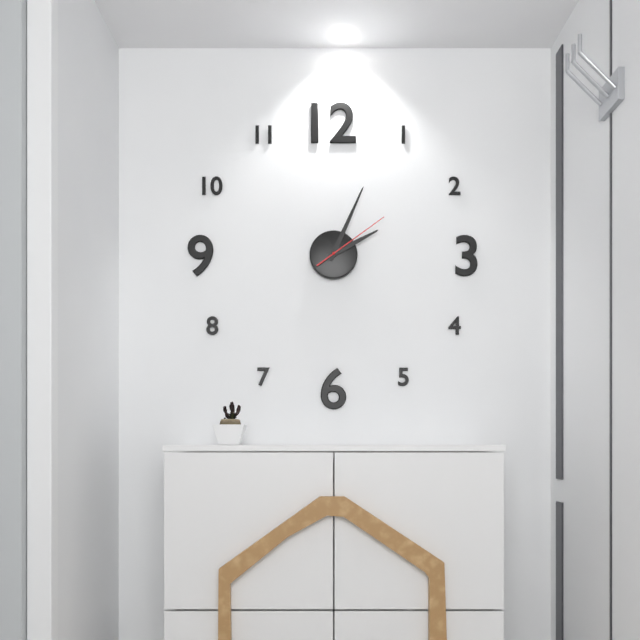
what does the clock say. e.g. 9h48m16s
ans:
2h04m09s
